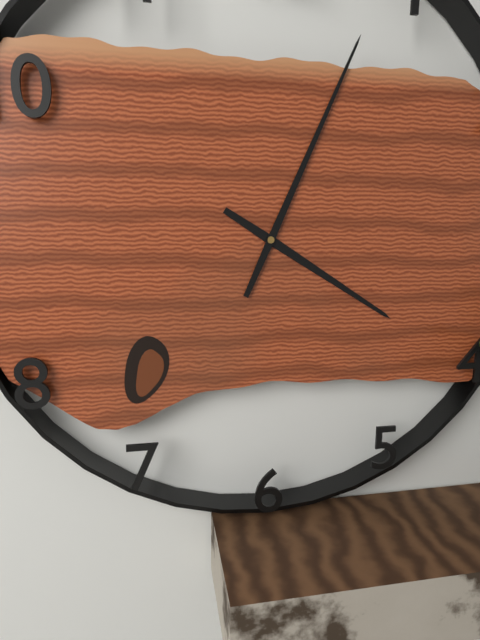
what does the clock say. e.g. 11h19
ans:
4h04
